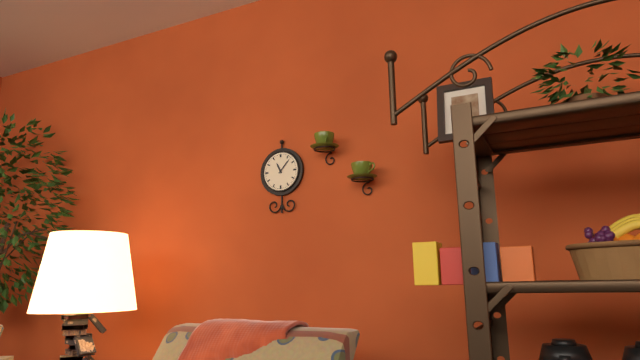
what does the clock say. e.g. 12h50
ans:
11h07
